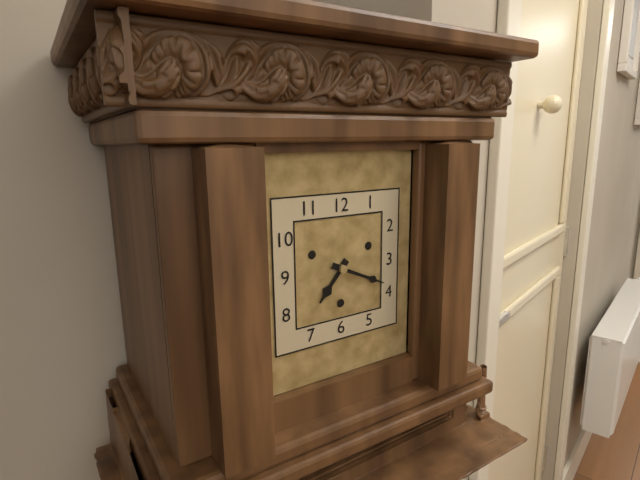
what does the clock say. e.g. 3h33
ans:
7h19
